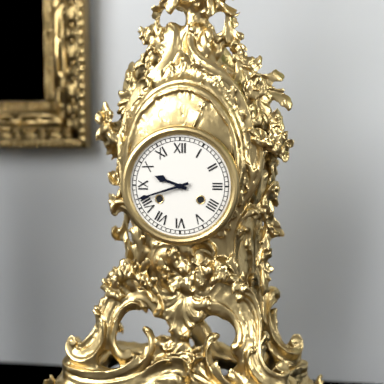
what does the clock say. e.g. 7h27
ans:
9h42
